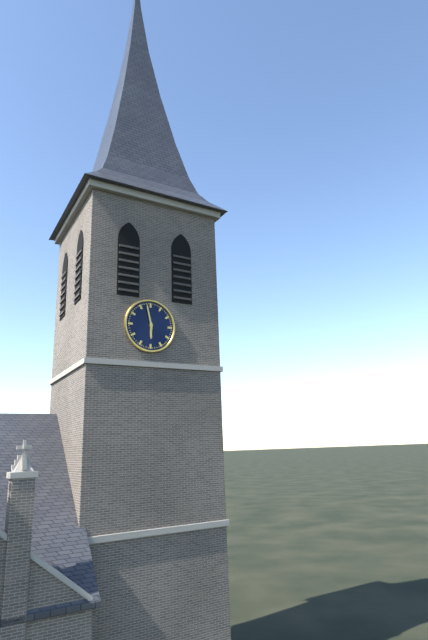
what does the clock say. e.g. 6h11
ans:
5h58
